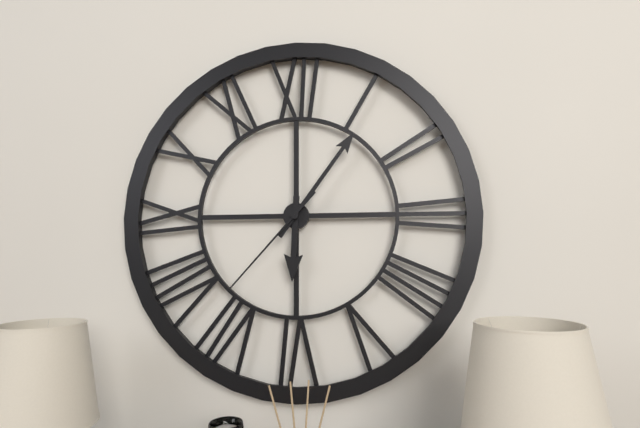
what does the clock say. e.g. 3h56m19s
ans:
6h06m37s
